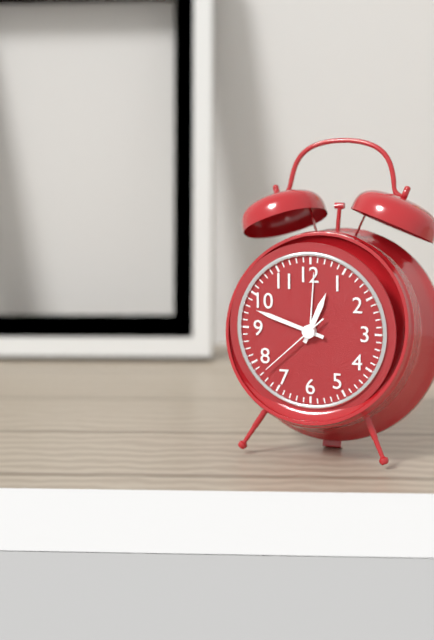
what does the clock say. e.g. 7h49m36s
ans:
12h48m38s
